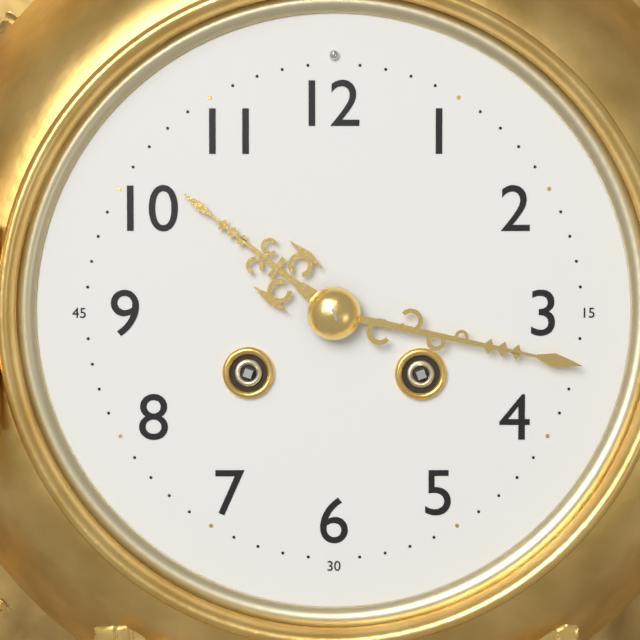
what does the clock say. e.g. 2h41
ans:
10h17
